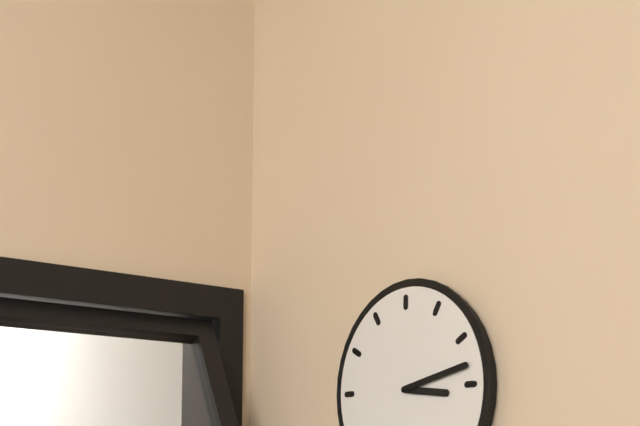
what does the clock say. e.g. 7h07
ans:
3h13
